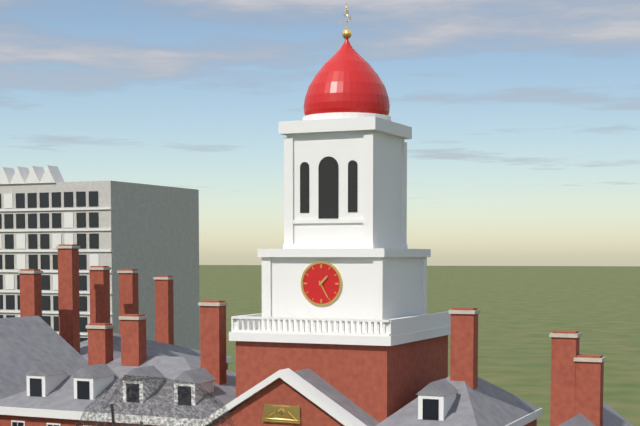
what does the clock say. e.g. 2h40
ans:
1h25
